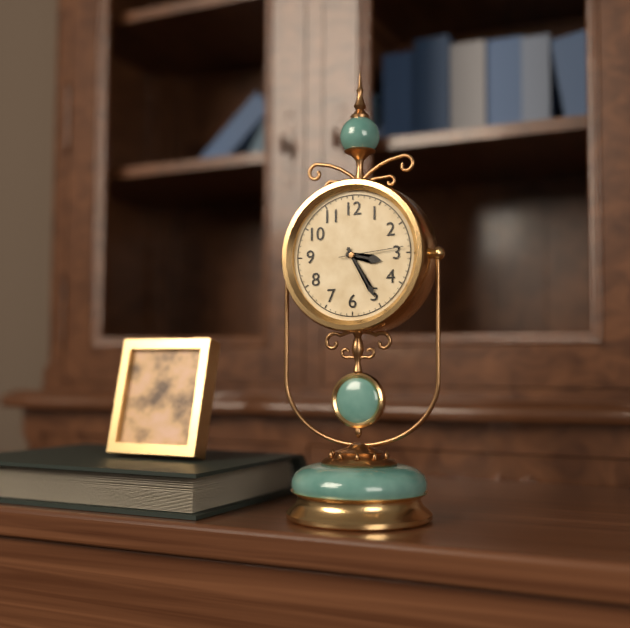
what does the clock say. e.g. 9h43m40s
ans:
3h25m14s
